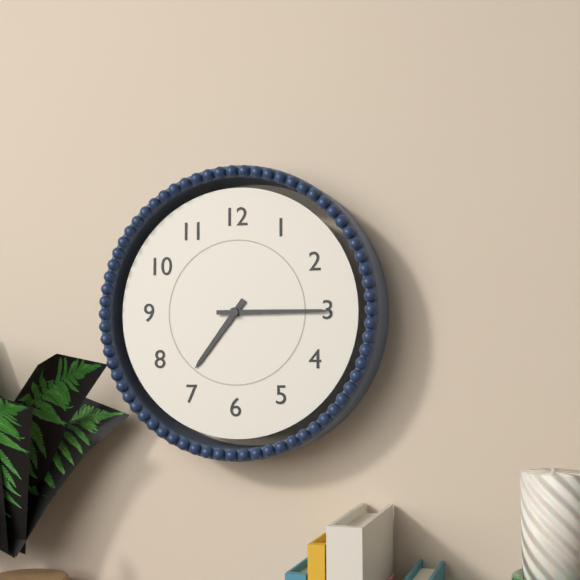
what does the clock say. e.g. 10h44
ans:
7h15
